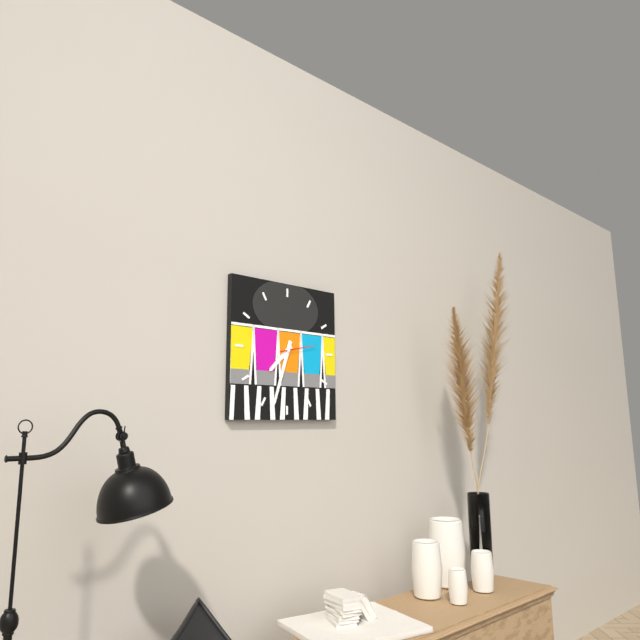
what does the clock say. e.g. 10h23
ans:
7h33
